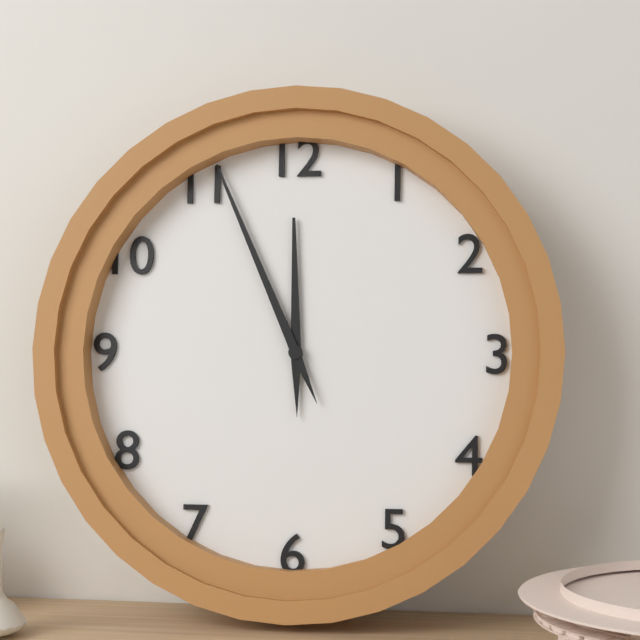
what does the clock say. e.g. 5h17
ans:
11h56
